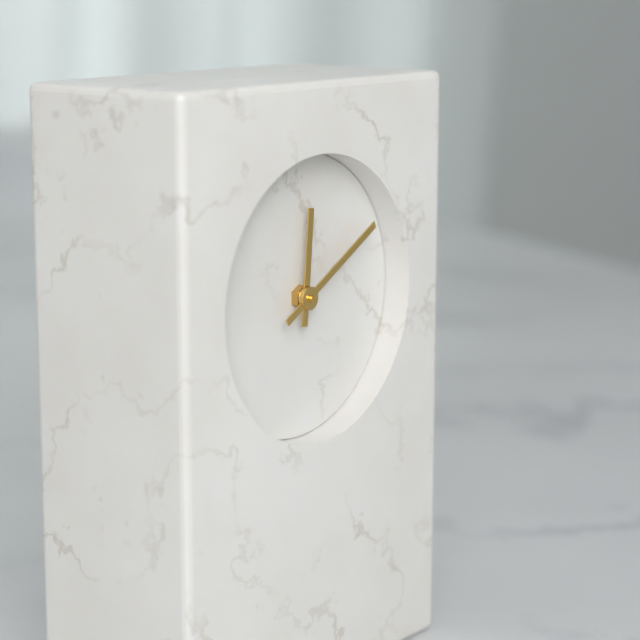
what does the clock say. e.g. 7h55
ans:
12h10
